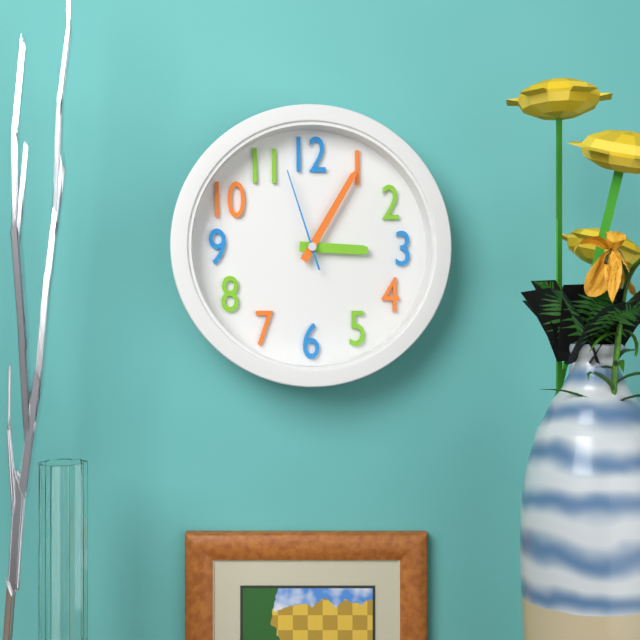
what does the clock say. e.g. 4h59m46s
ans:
3h05m57s
